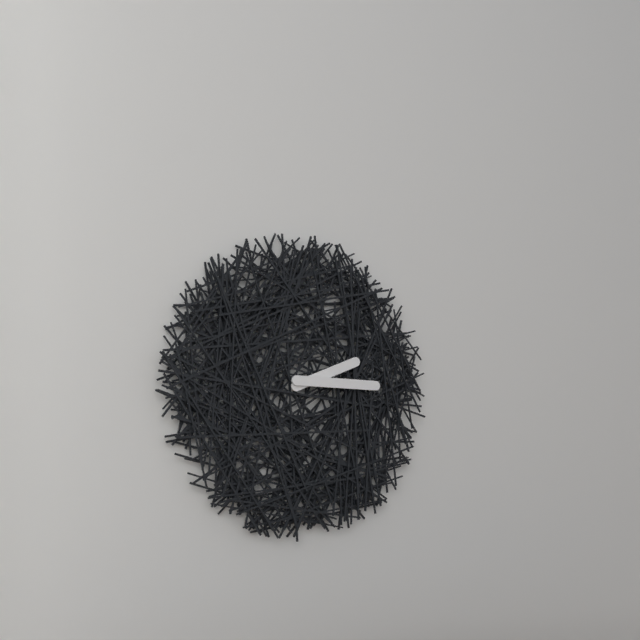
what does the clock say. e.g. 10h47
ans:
2h15
